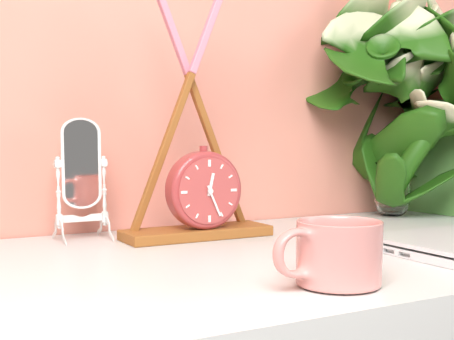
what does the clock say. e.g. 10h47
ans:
12h26
